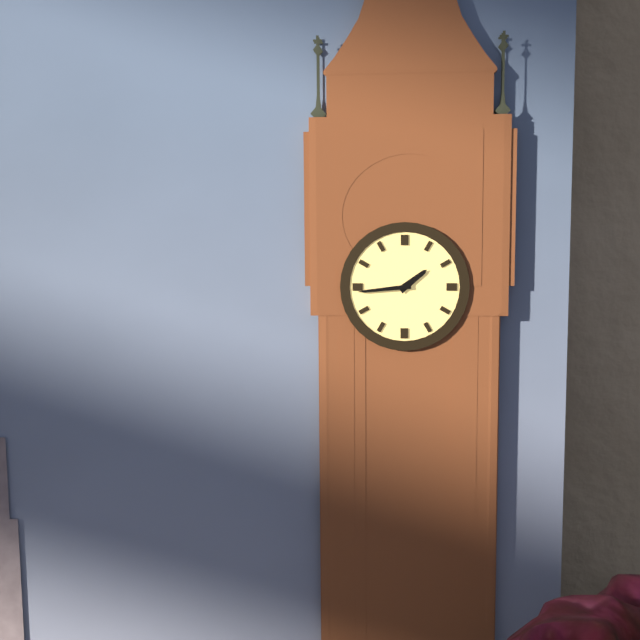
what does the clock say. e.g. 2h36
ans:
1h44
